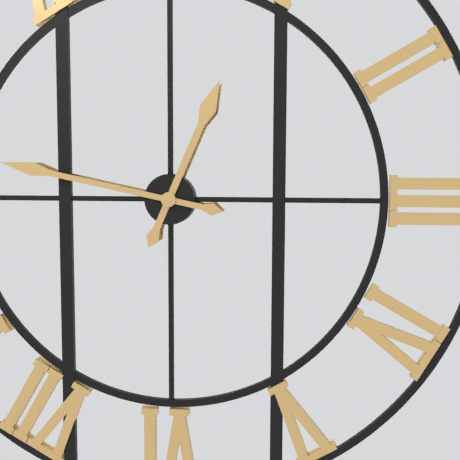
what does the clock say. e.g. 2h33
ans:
12h47
